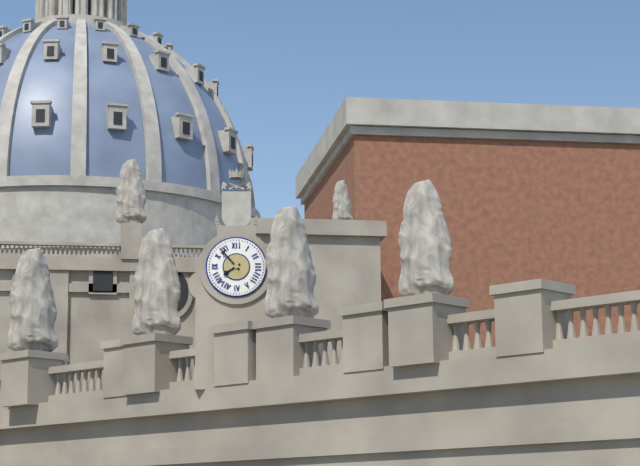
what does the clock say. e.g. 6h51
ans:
7h53
